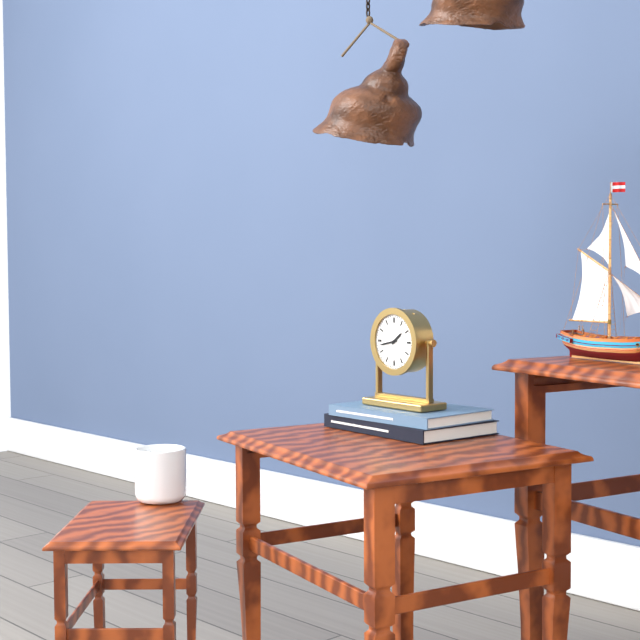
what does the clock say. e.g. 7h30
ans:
1h43
